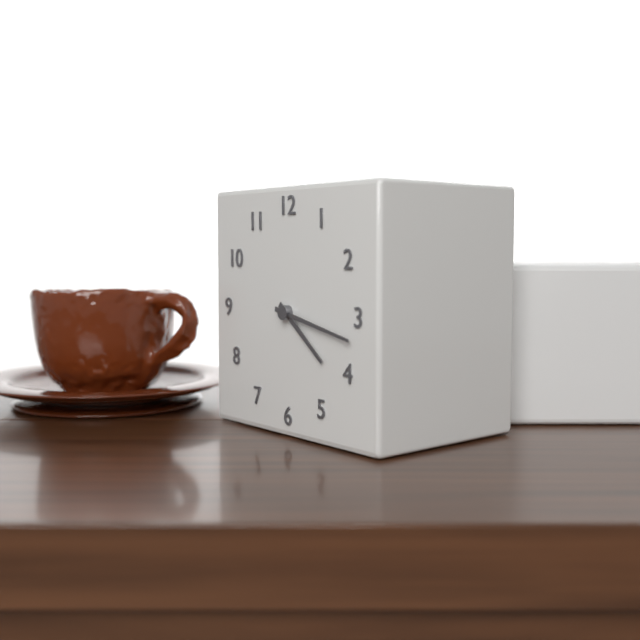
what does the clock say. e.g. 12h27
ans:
4h17
